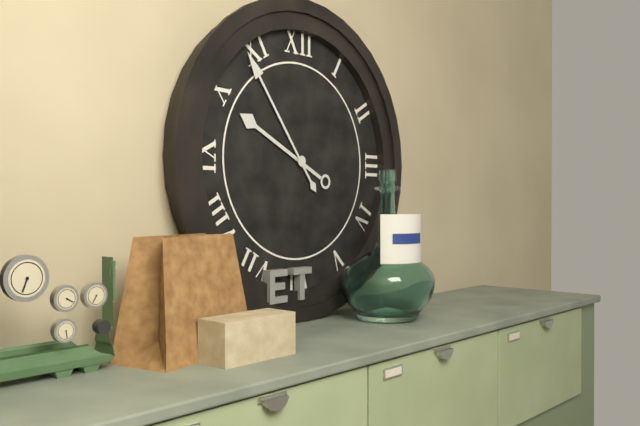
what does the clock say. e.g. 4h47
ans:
9h54
